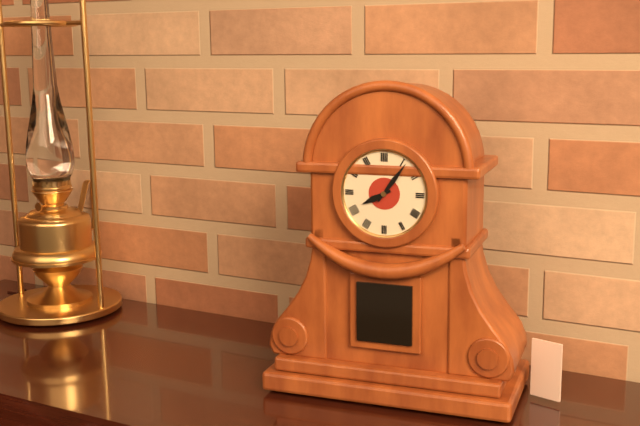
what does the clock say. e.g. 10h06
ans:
8h06
